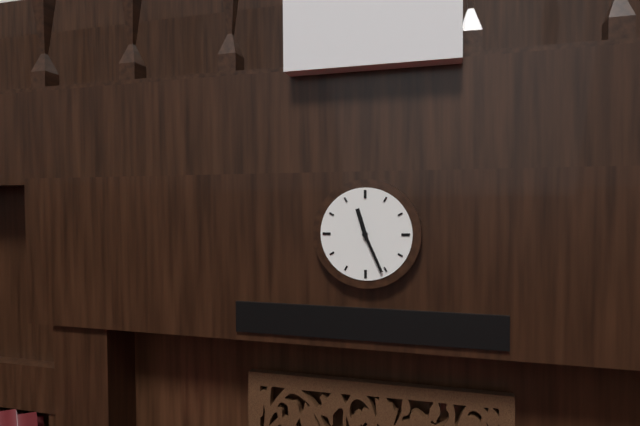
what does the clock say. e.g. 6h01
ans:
11h26
